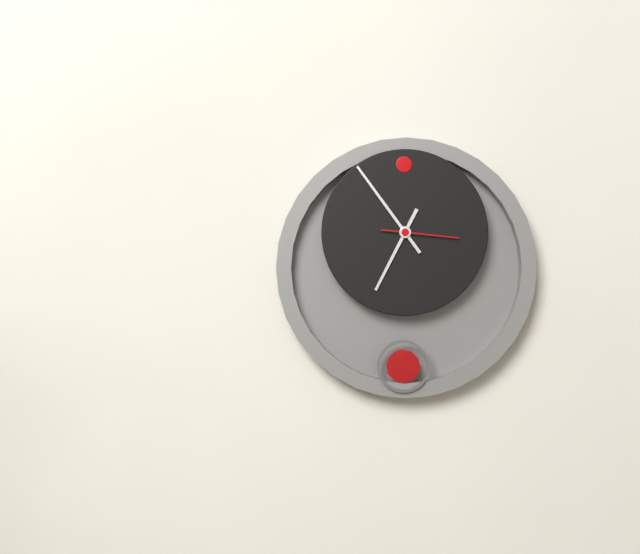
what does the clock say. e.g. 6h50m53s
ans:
6h54m16s
